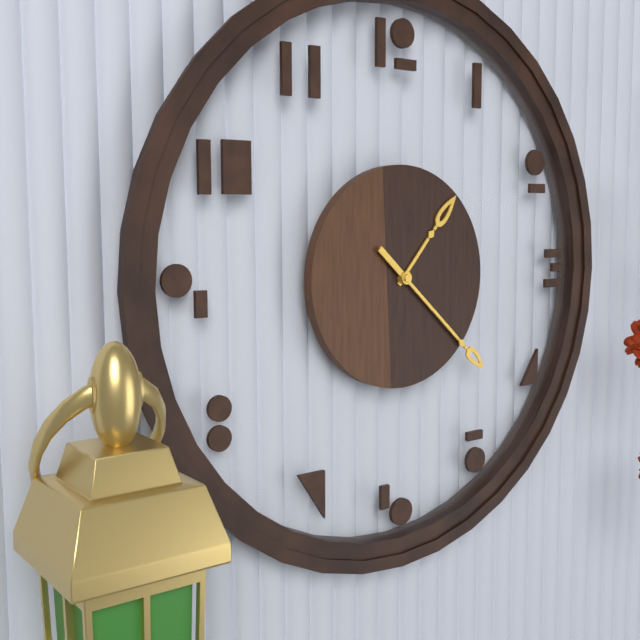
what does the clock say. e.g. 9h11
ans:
1h22
